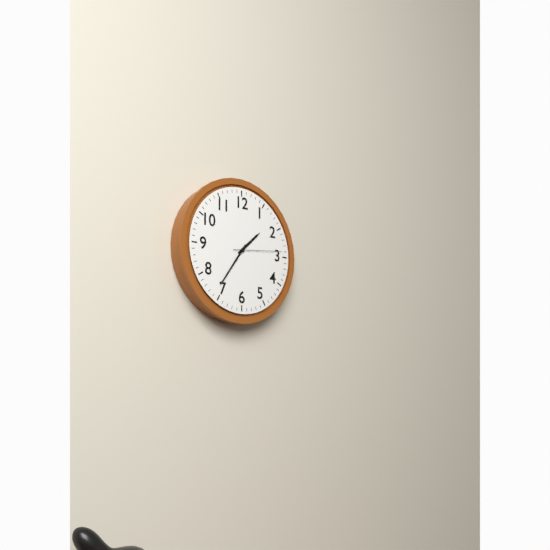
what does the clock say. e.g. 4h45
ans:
1h36
